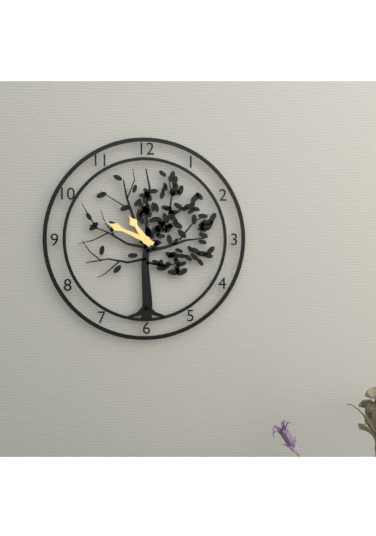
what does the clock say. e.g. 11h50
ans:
10h49
